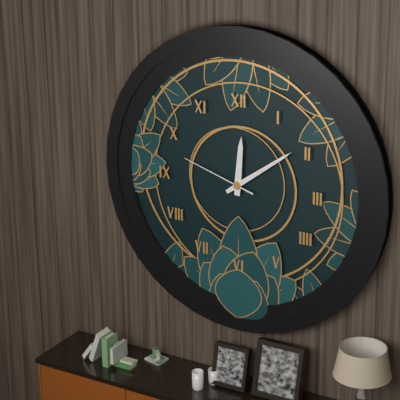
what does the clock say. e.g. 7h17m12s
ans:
12h09m48s
